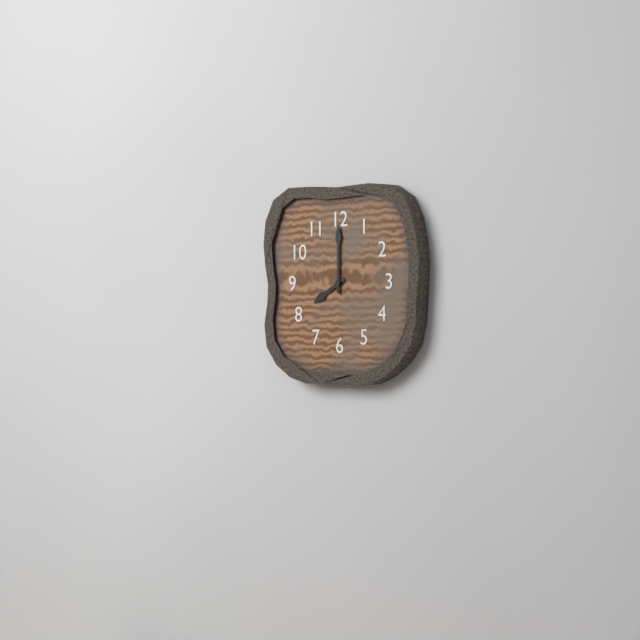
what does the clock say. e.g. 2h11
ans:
8h00
